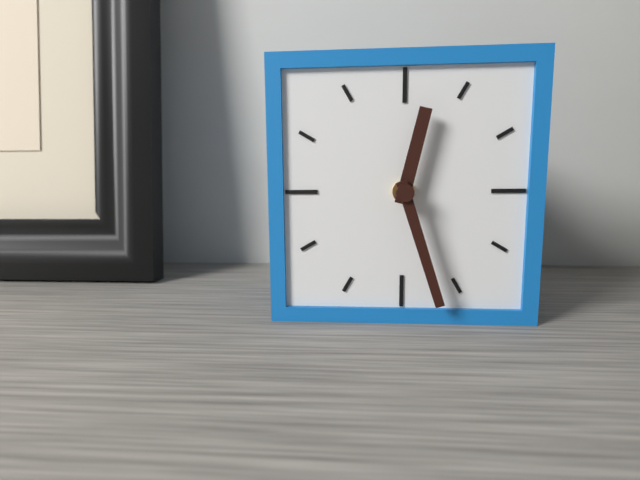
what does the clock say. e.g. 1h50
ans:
12h27
